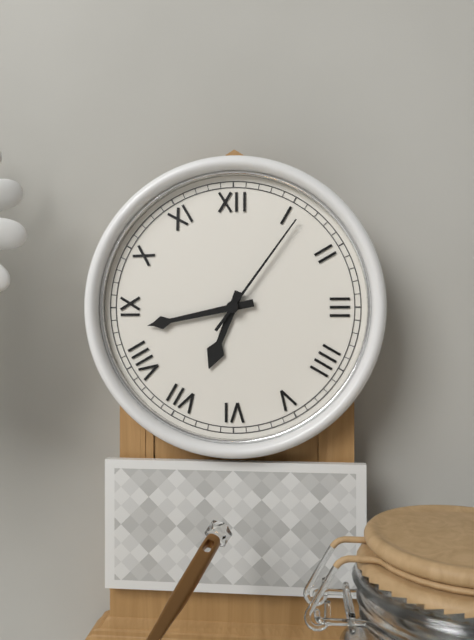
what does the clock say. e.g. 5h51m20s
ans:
6h43m06s
